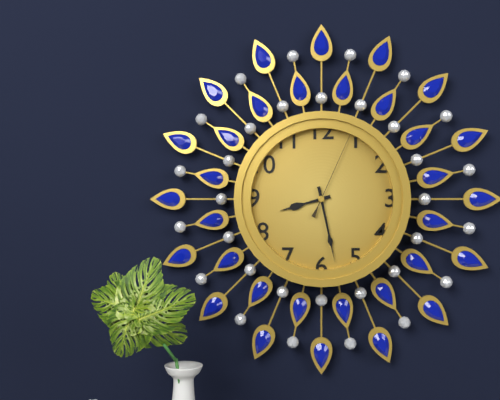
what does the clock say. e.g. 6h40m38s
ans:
8h28m04s
